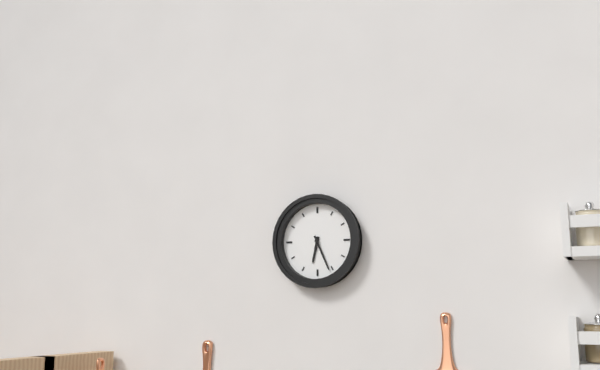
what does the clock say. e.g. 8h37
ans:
6h26
